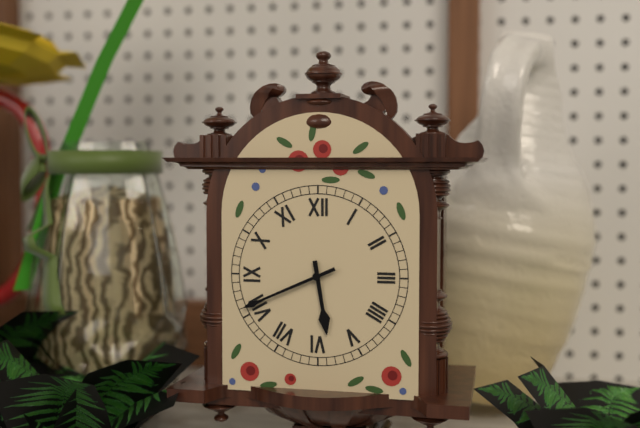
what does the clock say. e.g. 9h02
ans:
5h41
